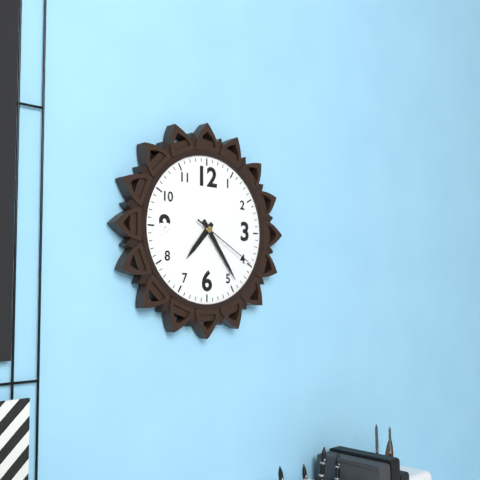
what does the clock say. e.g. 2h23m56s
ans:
7h24m20s
